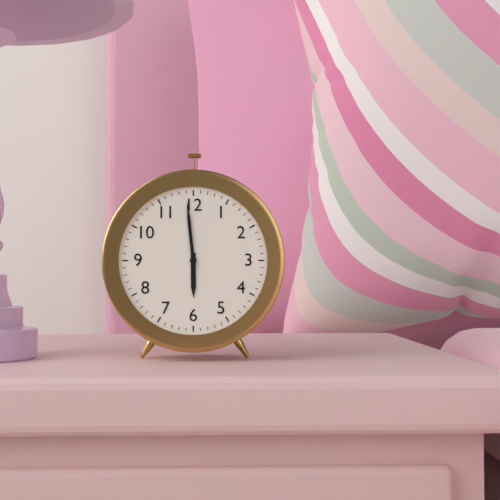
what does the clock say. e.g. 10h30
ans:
5h59
